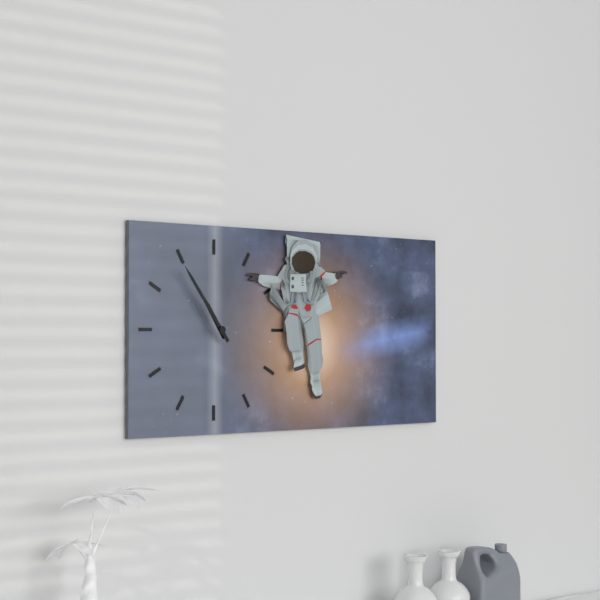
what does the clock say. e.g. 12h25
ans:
10h54
